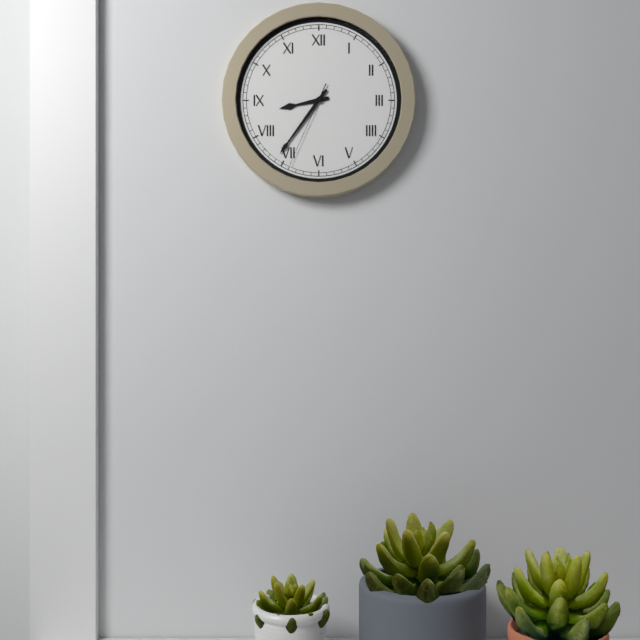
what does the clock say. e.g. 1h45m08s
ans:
8h36m34s
